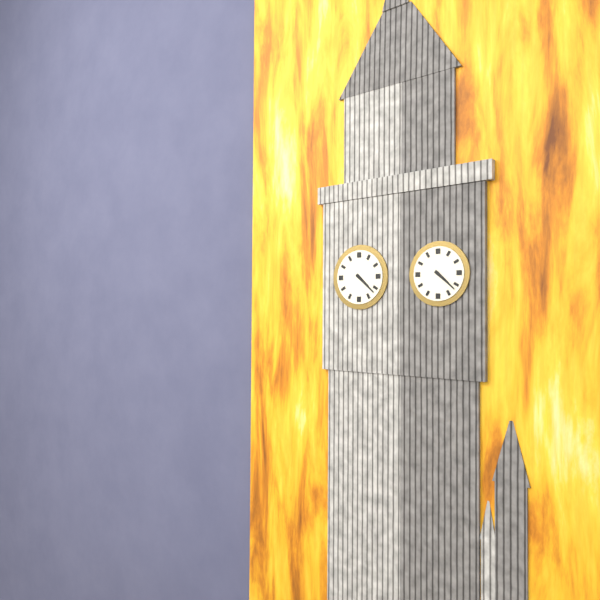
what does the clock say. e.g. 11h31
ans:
4h22
